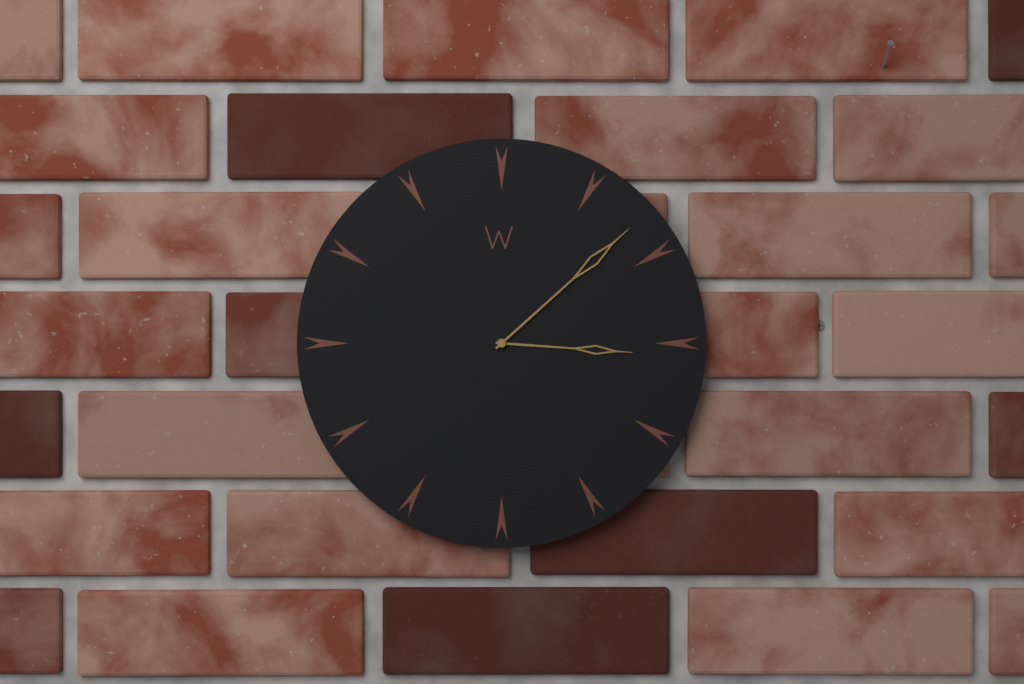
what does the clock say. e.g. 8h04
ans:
3h08
